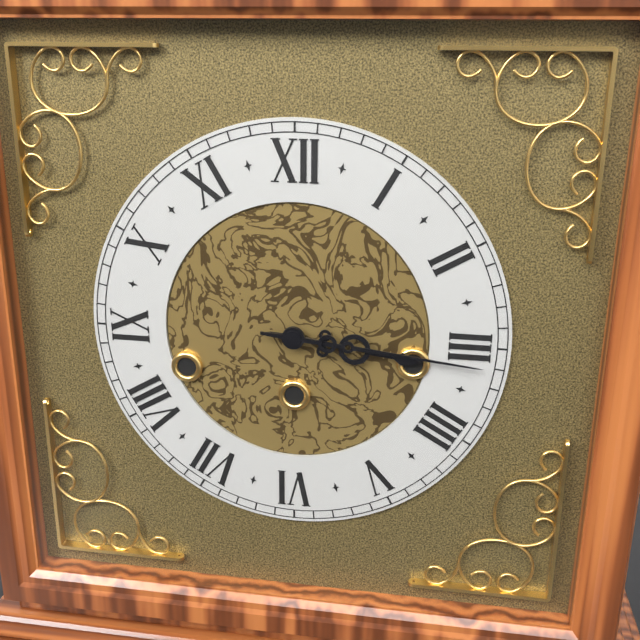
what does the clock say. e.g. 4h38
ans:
3h16
